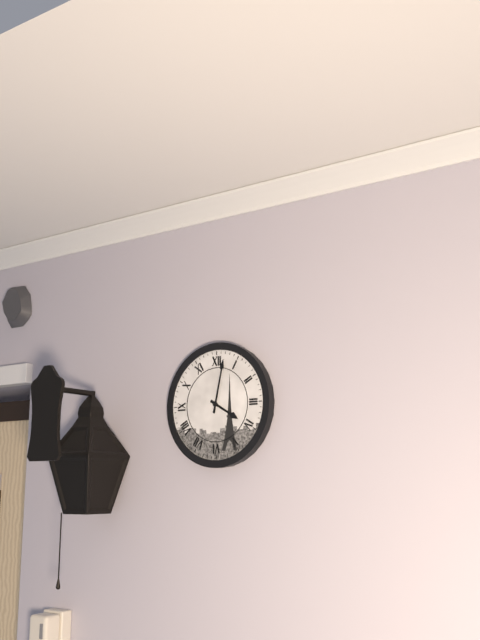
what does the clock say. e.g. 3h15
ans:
4h02
